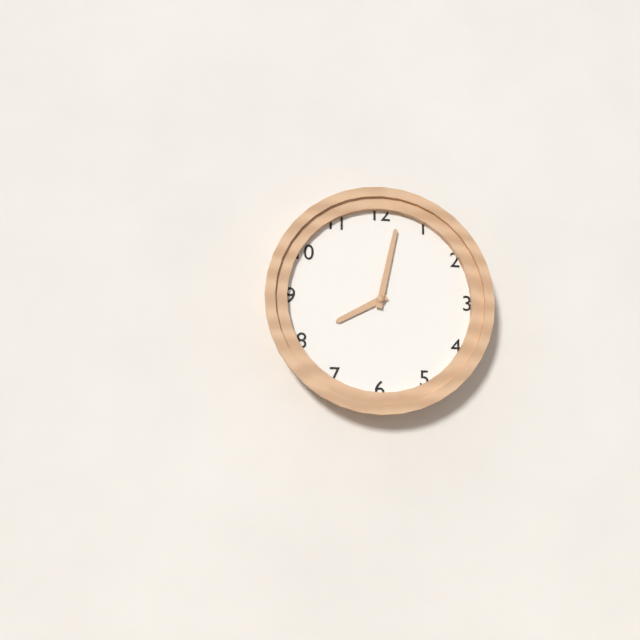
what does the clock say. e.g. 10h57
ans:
8h02
